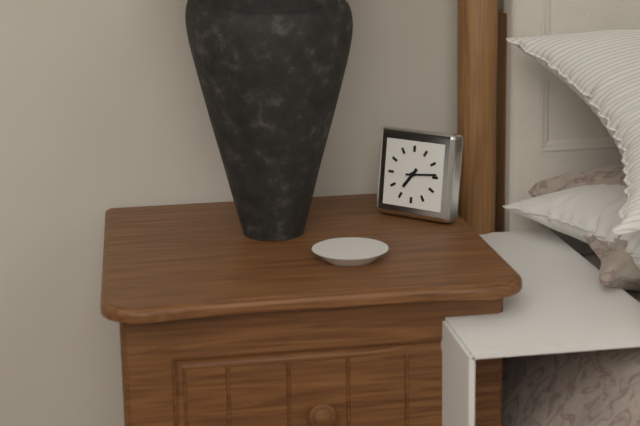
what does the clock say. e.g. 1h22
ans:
7h14
